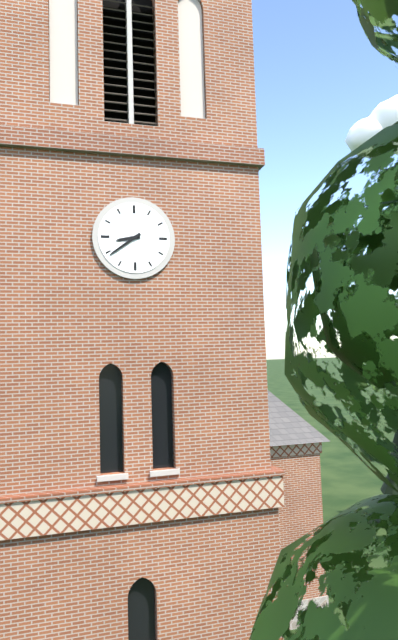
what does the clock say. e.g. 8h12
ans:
8h39
